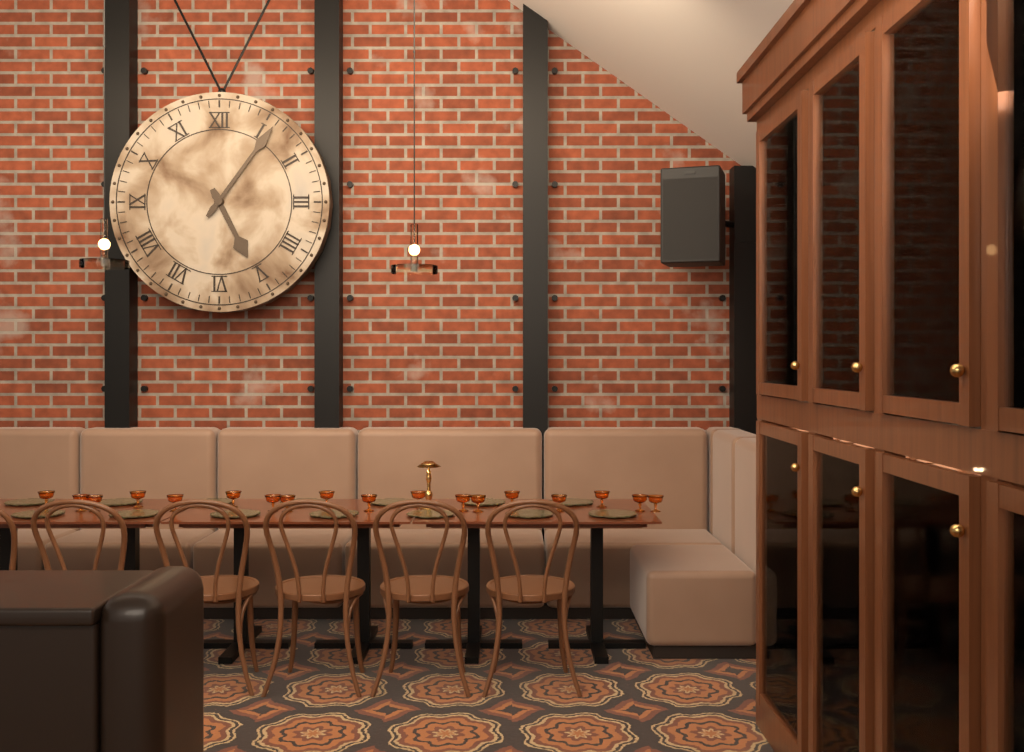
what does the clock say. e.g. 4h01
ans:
5h06
